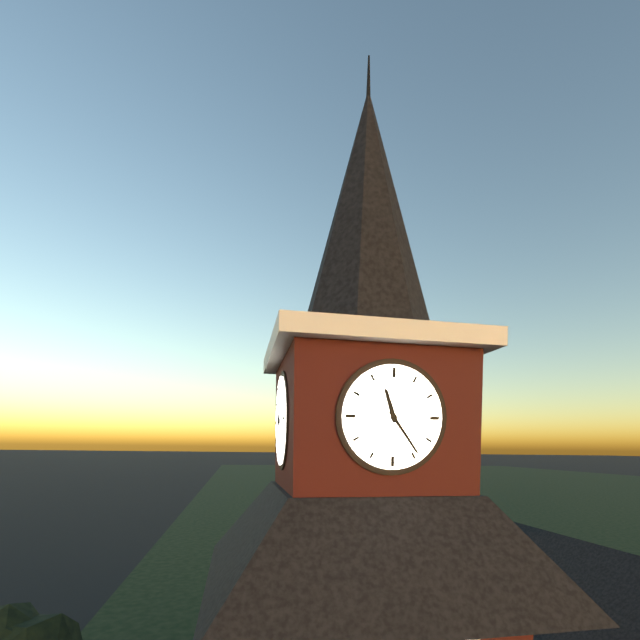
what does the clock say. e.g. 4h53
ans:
11h24
